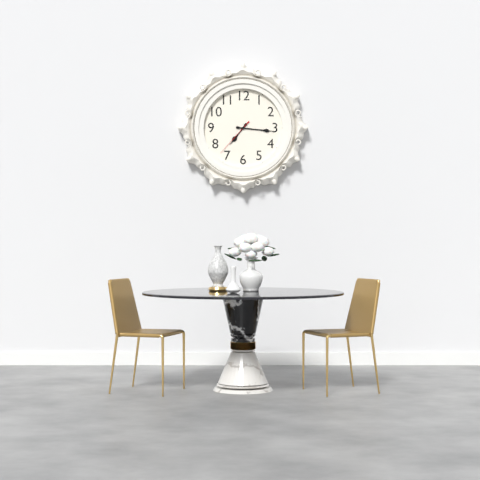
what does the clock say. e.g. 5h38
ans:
7h16
